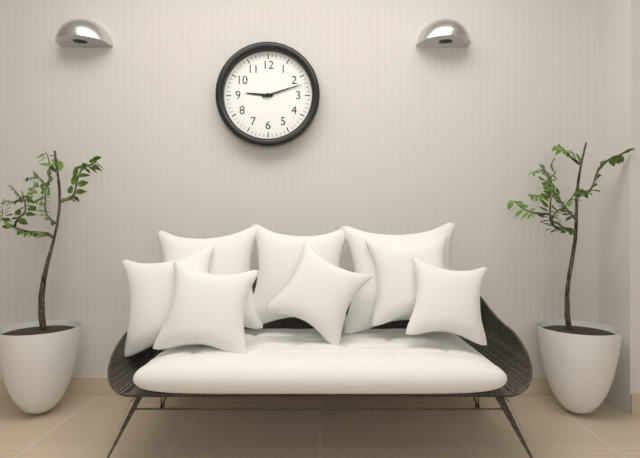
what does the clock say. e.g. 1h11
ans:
9h12
